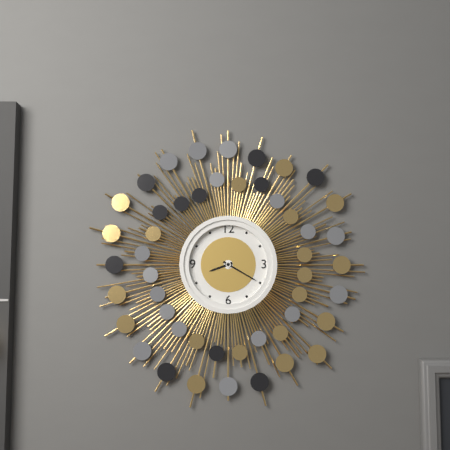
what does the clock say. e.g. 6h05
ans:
8h20
